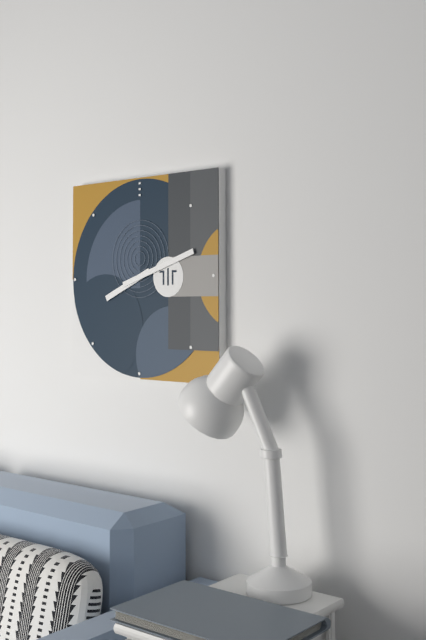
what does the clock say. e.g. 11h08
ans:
8h12
